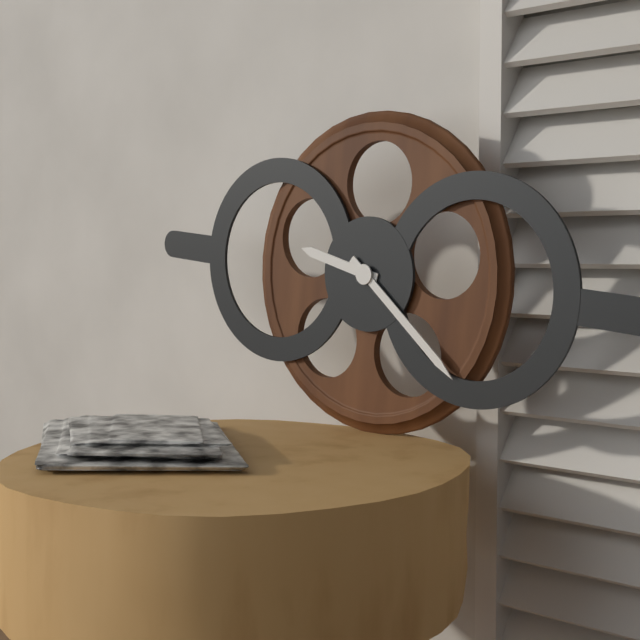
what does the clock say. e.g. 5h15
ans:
9h21
